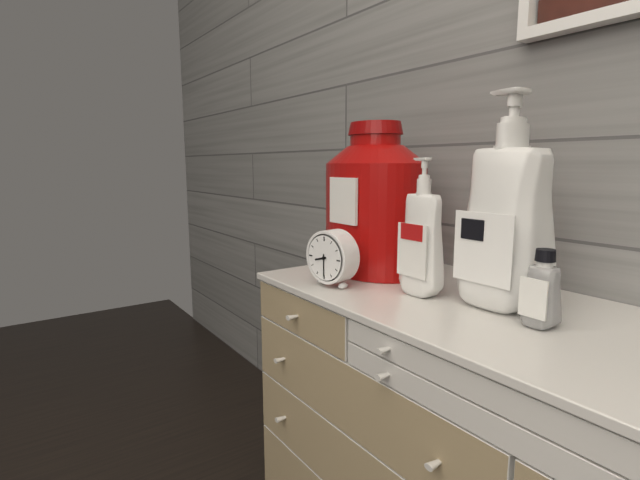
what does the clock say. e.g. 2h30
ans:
8h30
